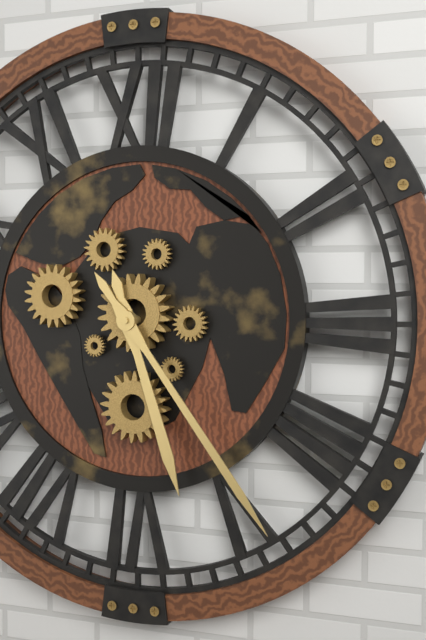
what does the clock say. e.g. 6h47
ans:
5h24
